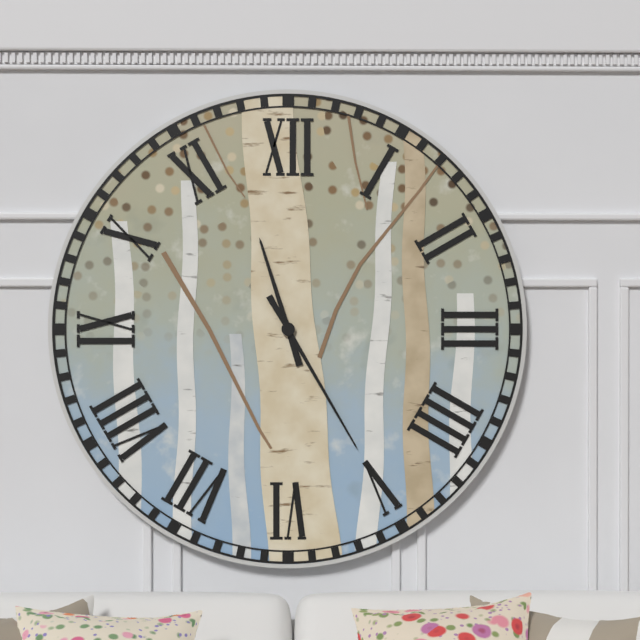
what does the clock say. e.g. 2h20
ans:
11h25
